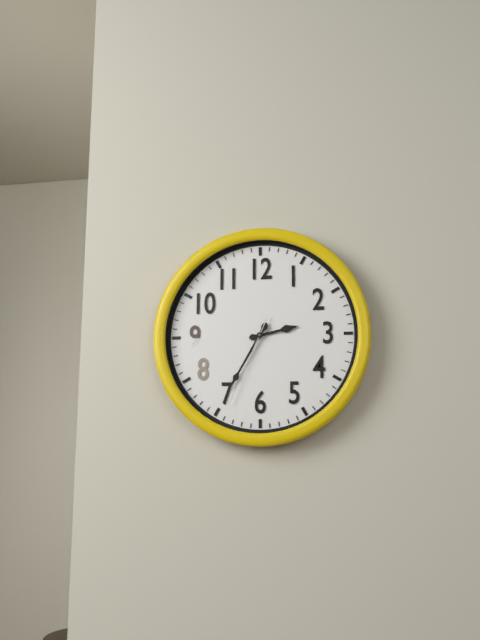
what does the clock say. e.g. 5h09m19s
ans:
2h35m34s
